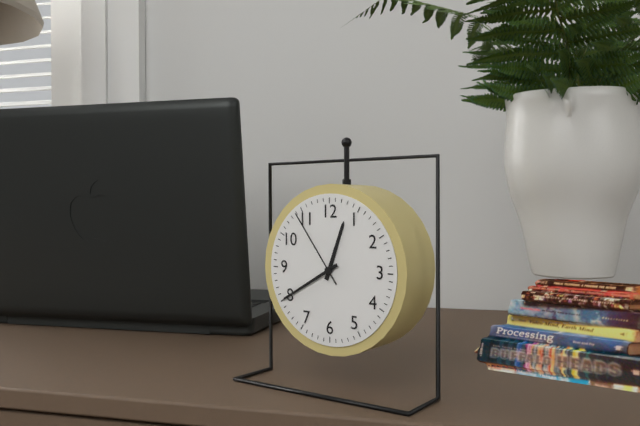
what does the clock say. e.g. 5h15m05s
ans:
12h40m54s
